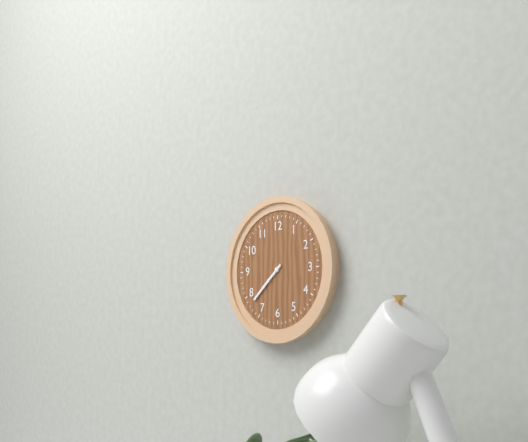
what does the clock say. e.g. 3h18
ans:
7h38
